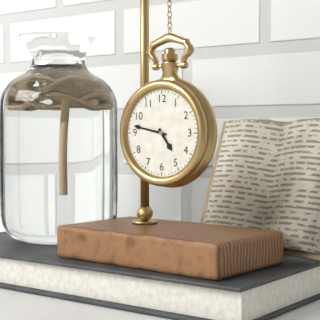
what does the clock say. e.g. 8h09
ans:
4h47
